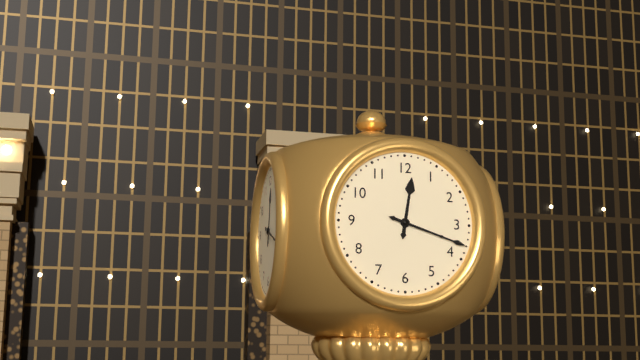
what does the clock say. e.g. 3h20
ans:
12h18
